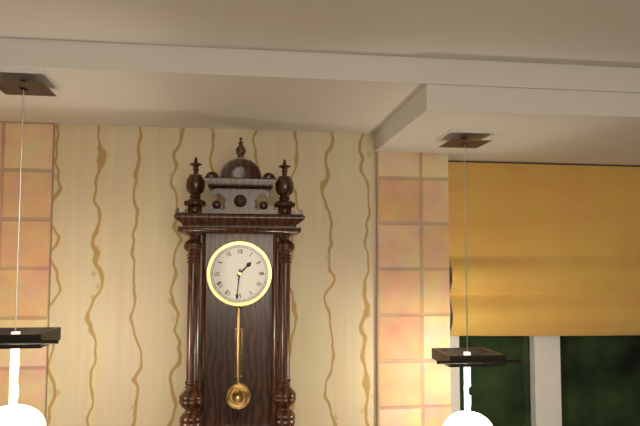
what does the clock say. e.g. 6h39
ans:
1h31
